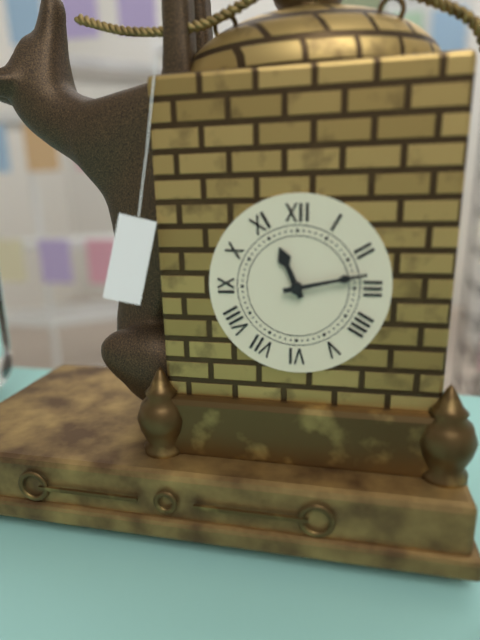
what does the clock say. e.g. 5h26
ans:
11h13
